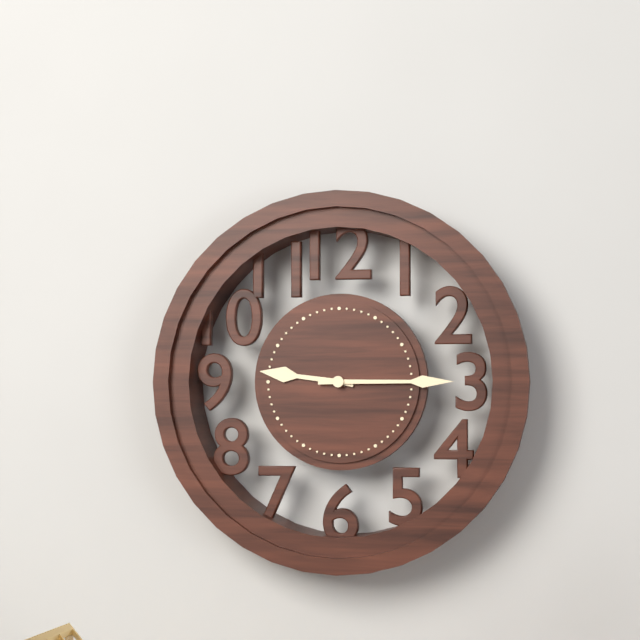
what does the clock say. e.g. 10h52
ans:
9h15
